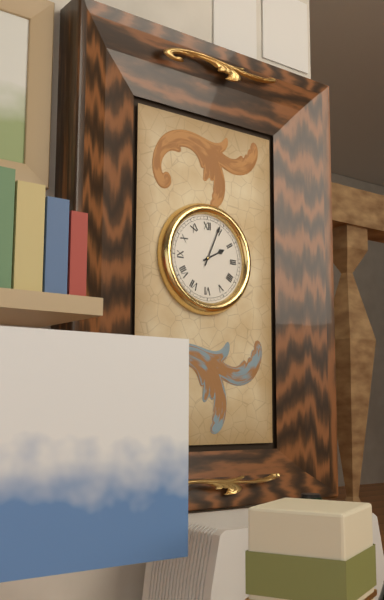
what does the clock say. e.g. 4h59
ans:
2h04
